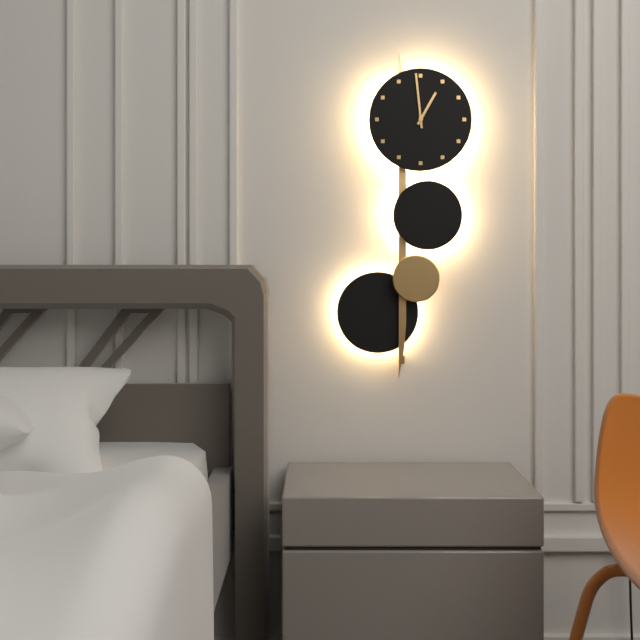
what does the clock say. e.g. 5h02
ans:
12h59
